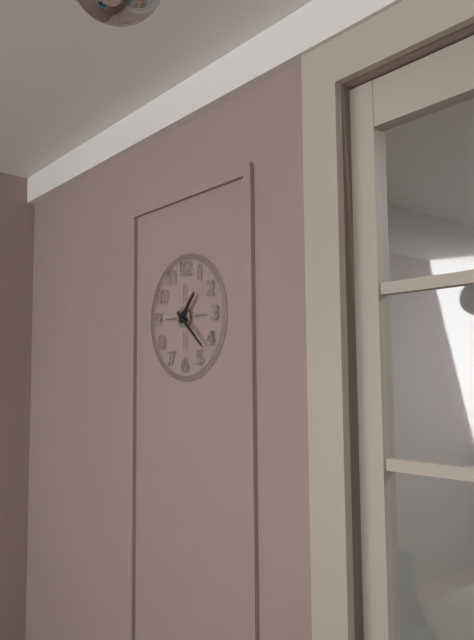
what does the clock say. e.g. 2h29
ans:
1h22
